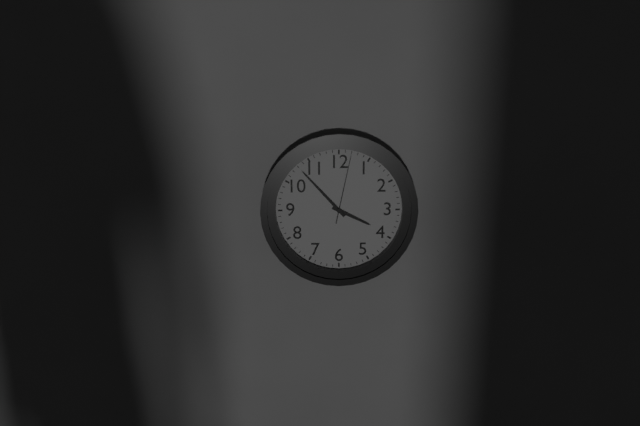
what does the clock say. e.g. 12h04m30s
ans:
3h53m02s
